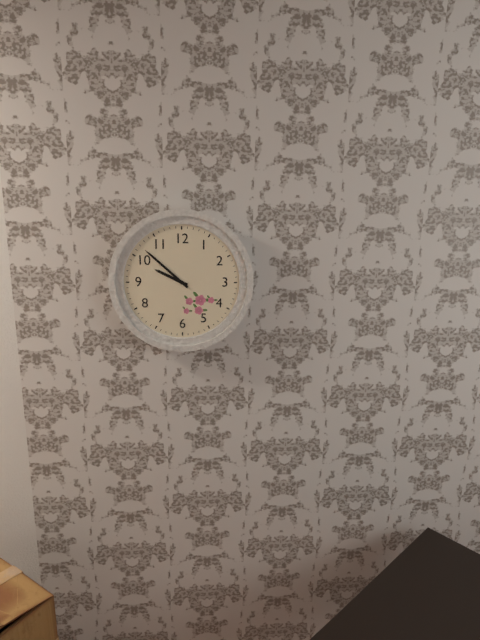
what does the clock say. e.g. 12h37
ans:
9h52
